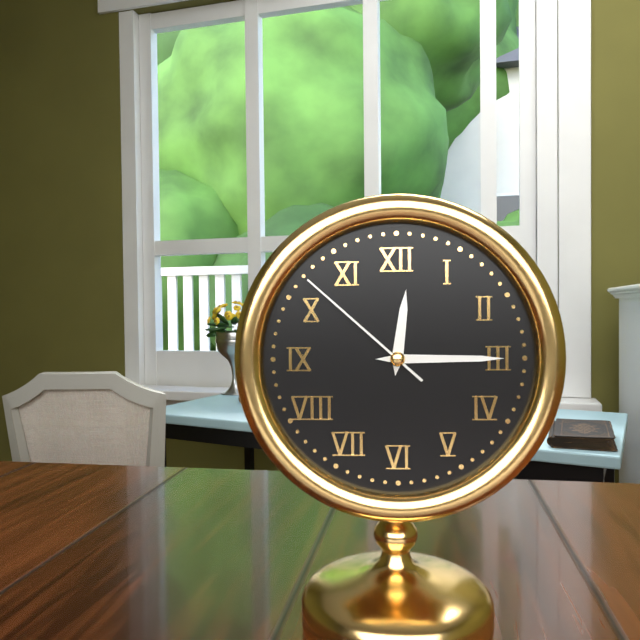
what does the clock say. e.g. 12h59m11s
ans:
12h15m52s
